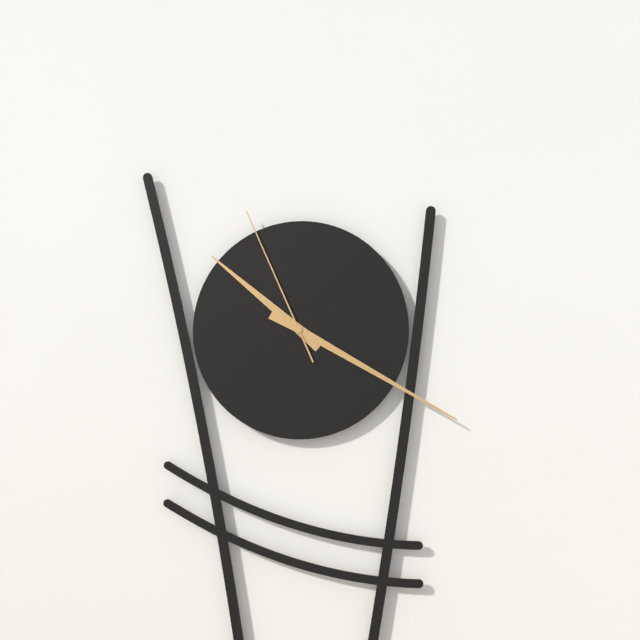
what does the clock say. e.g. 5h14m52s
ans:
10h20m56s
